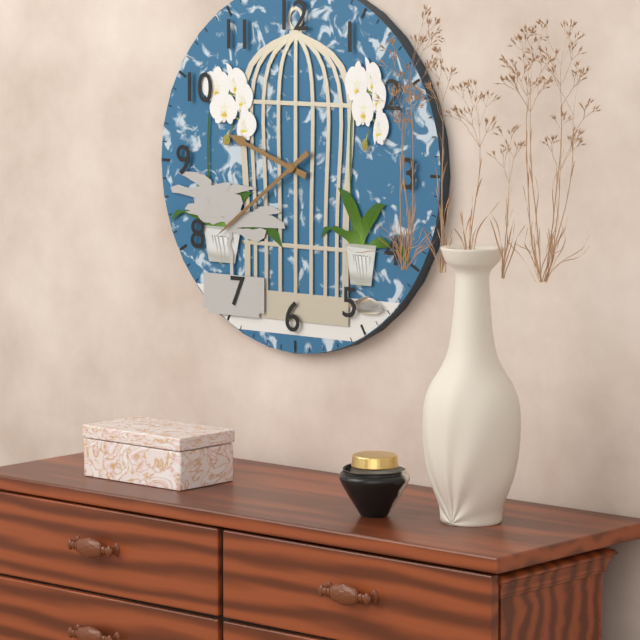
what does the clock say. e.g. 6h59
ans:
9h39
